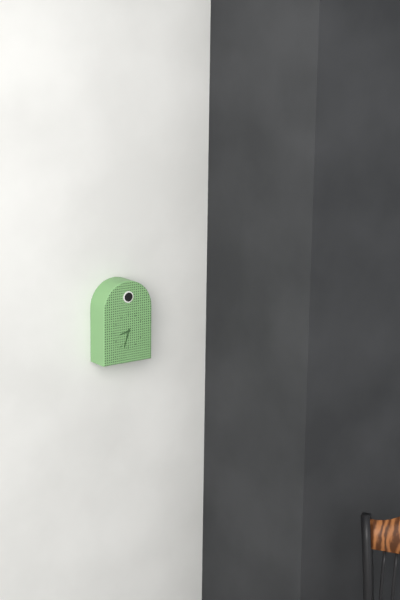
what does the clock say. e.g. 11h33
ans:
8h33
